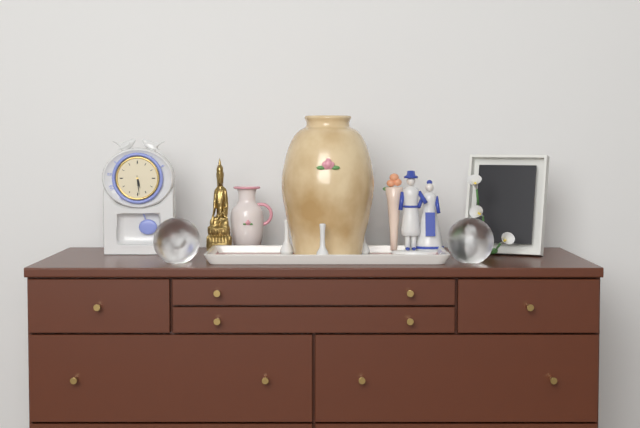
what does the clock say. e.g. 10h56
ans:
5h29
